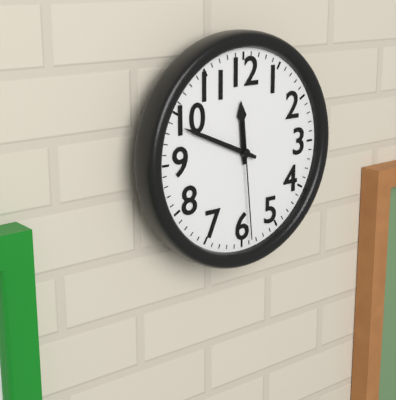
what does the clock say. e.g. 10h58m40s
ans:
11h49m29s
